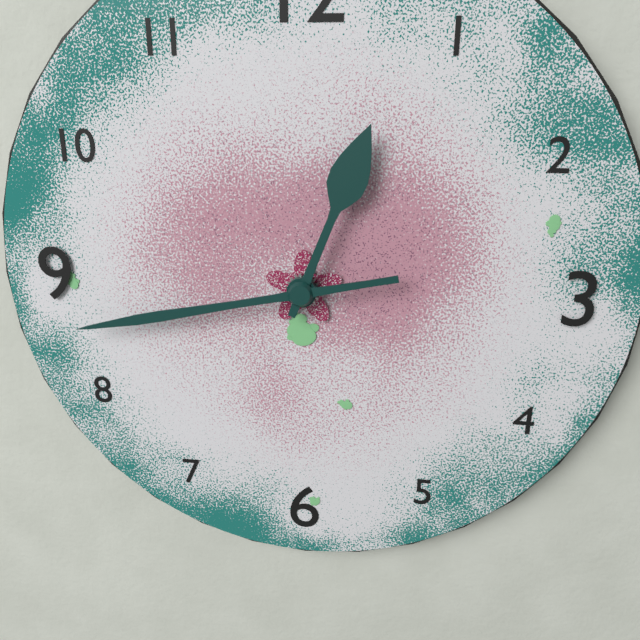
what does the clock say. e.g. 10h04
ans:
12h43
